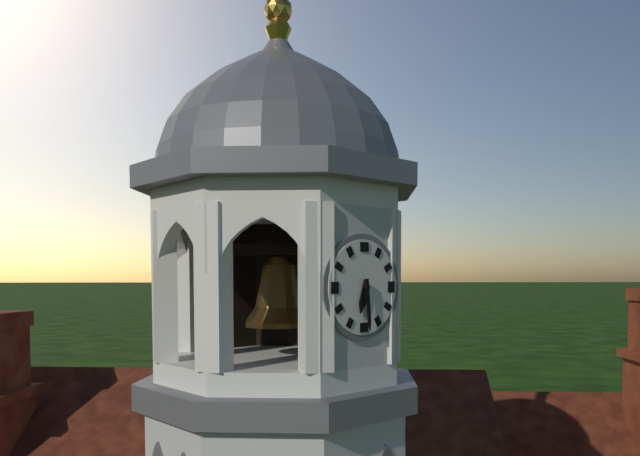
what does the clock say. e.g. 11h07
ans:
6h29
